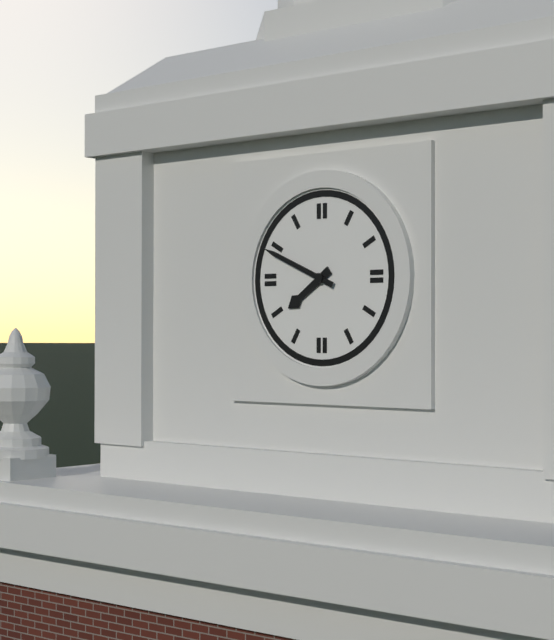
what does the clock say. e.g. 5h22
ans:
7h49
